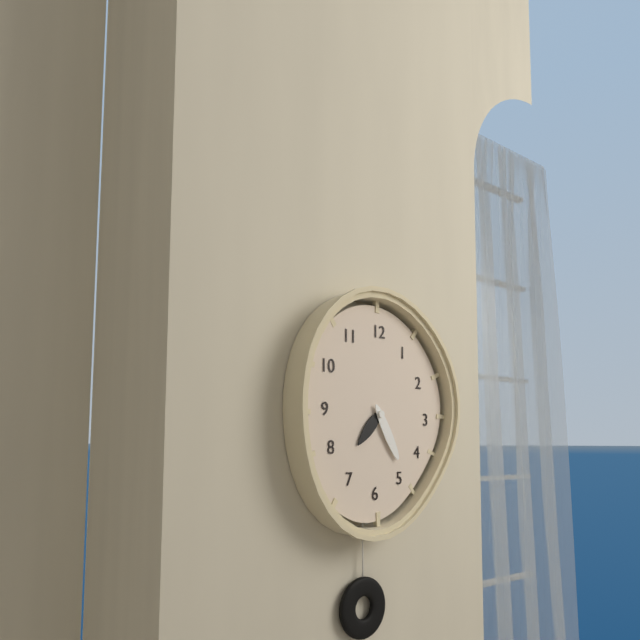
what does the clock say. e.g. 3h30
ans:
7h25
